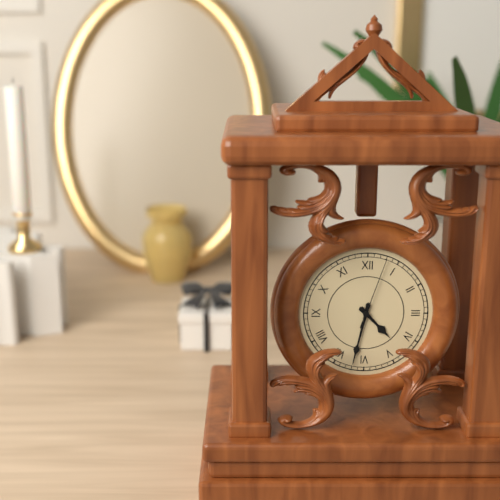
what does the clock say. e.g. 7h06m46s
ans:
4h32m03s
